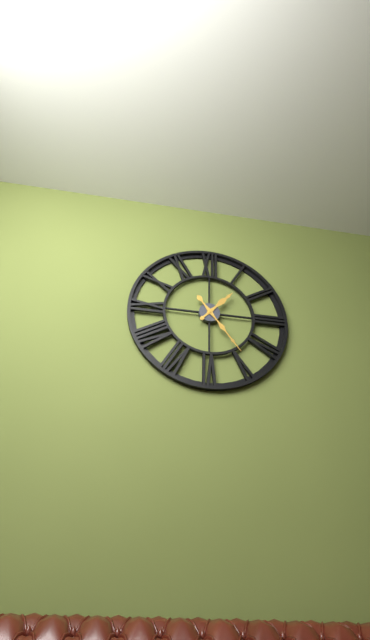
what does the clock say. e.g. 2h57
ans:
1h24
